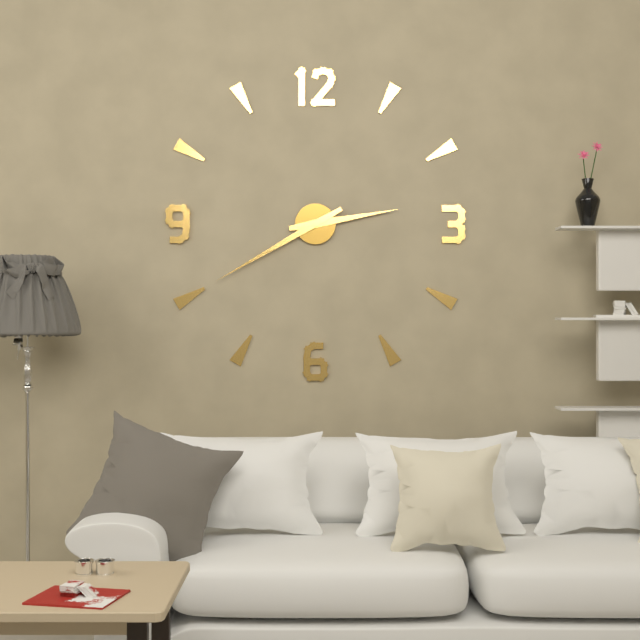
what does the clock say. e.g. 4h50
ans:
2h40
